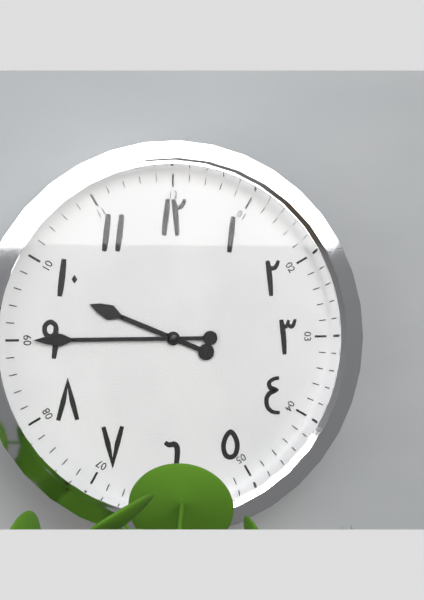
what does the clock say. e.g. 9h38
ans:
9h45
